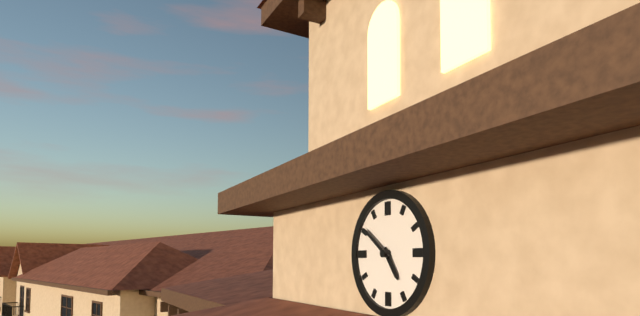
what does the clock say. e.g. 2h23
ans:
4h51
